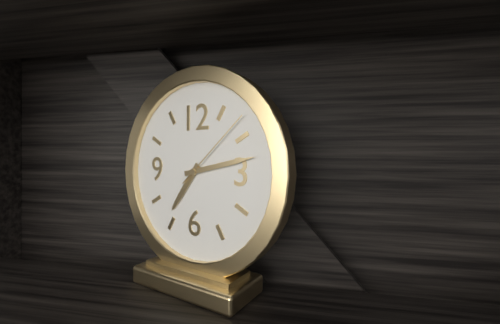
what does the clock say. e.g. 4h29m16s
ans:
7h13m08s
